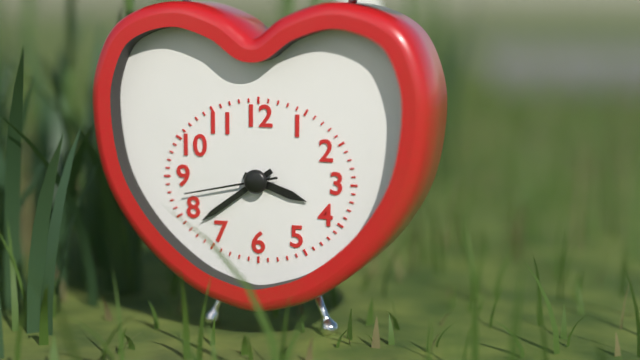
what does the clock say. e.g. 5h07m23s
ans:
3h39m43s
